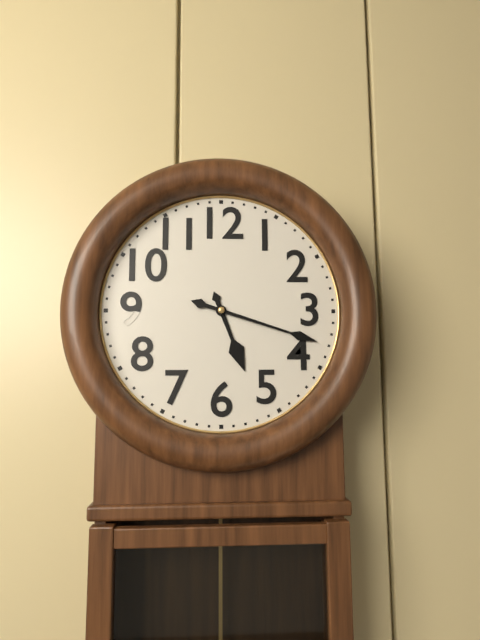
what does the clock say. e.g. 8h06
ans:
5h18
